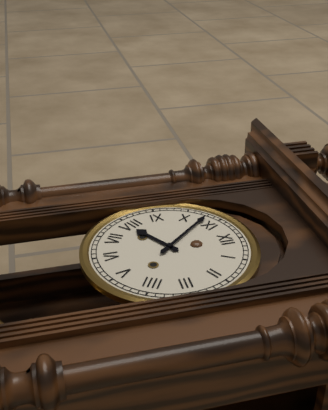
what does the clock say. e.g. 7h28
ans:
7h53
